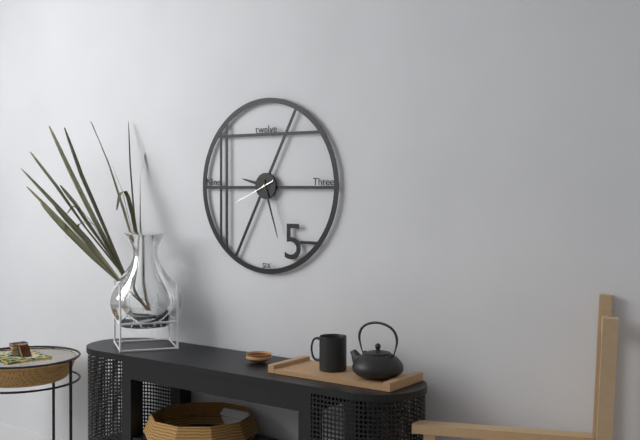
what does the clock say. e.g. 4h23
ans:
9h27
